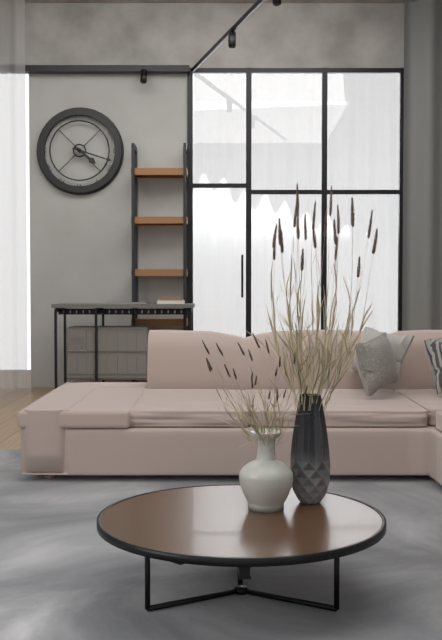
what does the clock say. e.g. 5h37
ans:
4h18
